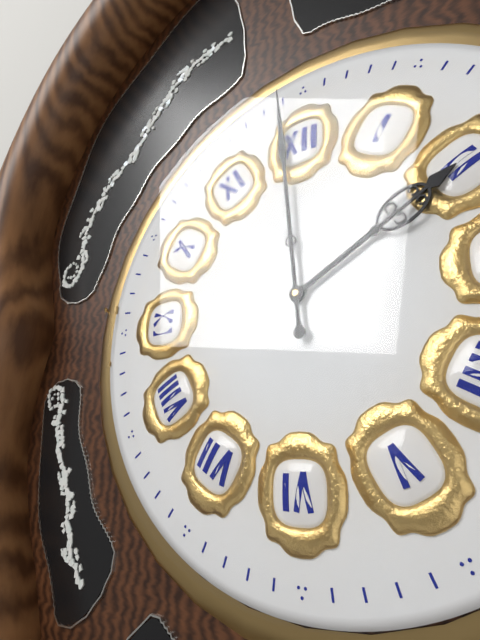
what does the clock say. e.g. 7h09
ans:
1h59
